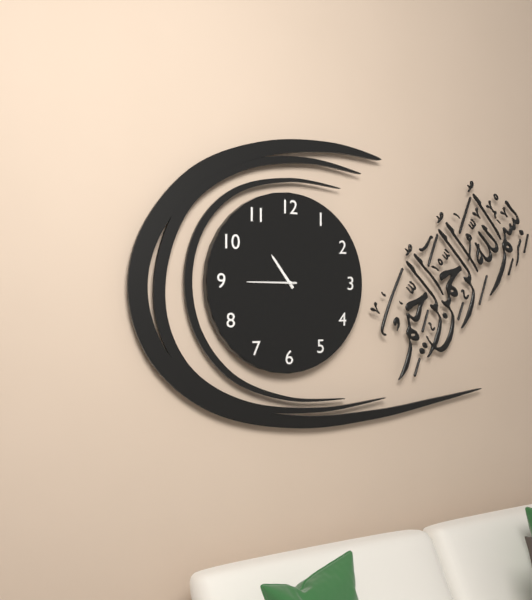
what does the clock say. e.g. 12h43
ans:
10h45
